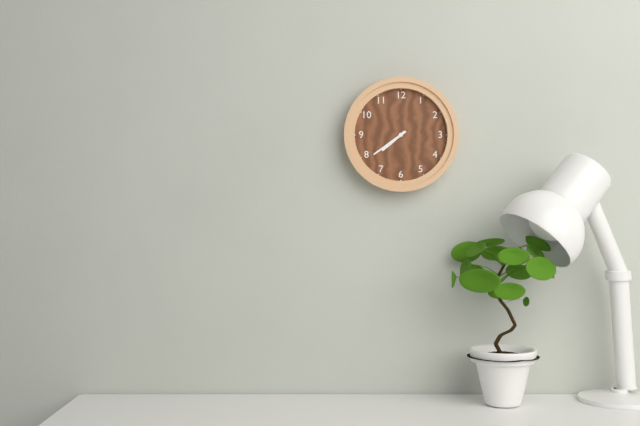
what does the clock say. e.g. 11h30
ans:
7h39
